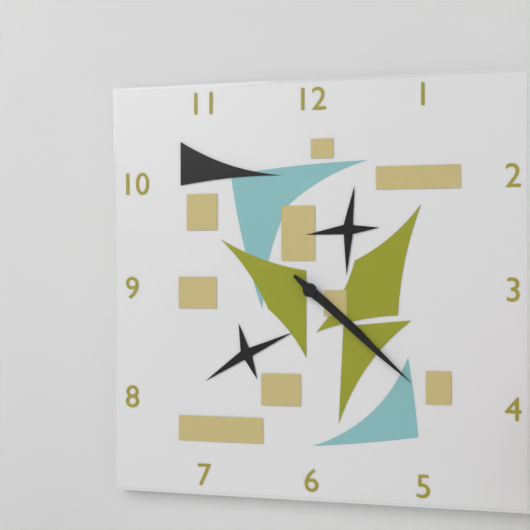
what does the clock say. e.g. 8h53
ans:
4h22
